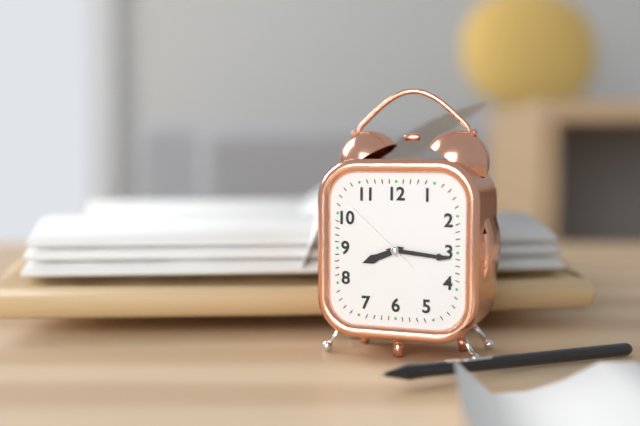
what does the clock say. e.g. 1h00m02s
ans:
8h16m52s
